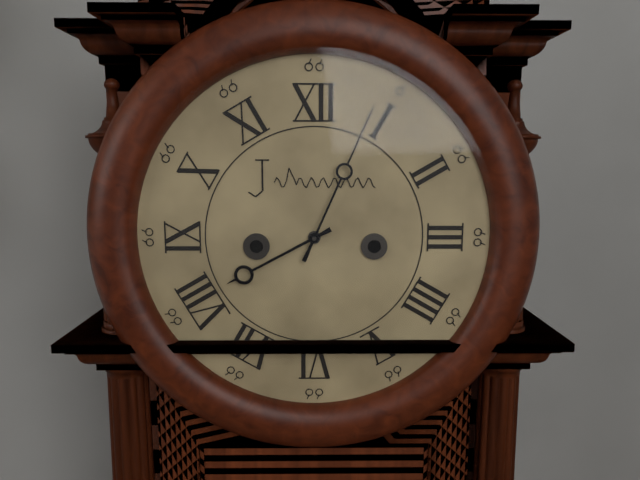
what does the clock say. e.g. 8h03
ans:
8h04
